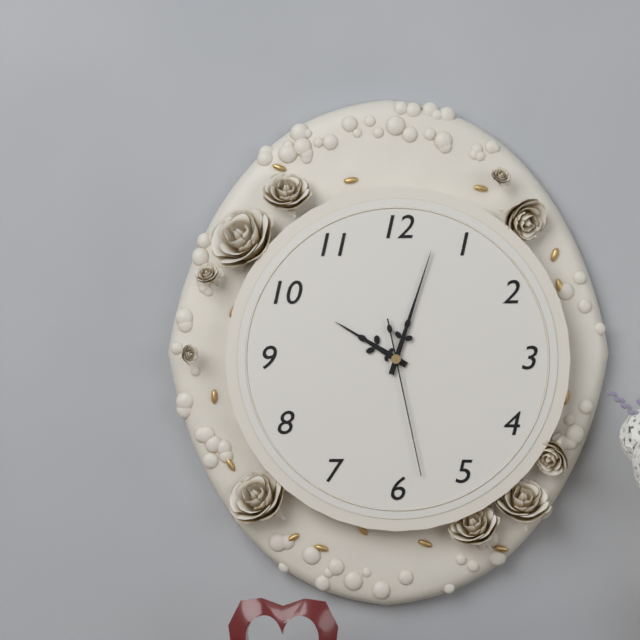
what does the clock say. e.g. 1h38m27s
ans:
10h03m28s
